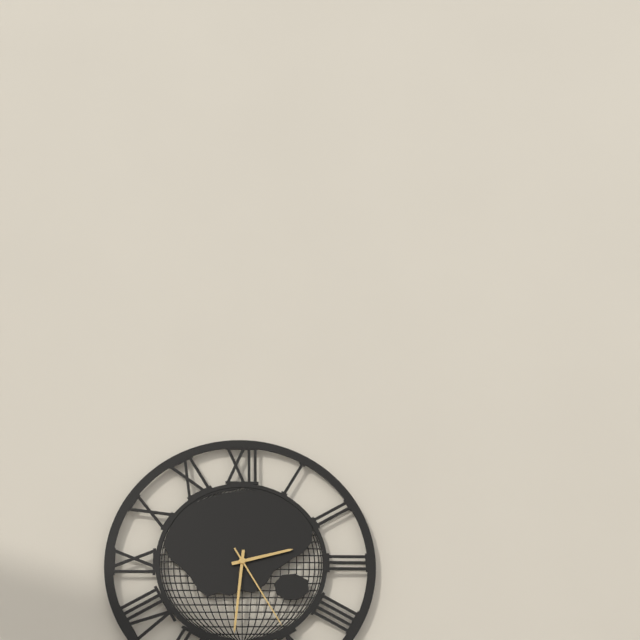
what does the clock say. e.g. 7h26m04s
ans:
2h31m25s
